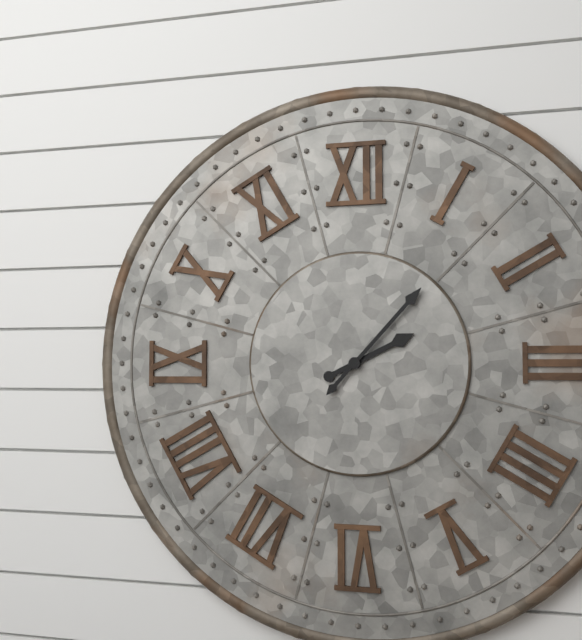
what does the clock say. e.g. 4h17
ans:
2h07
